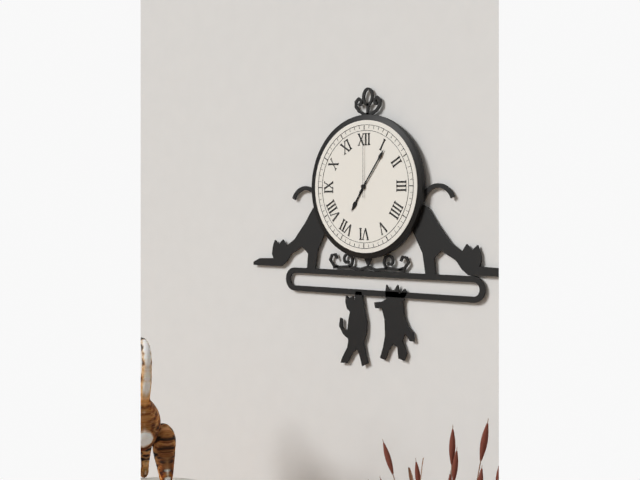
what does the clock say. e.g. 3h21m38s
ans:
7h06m00s
